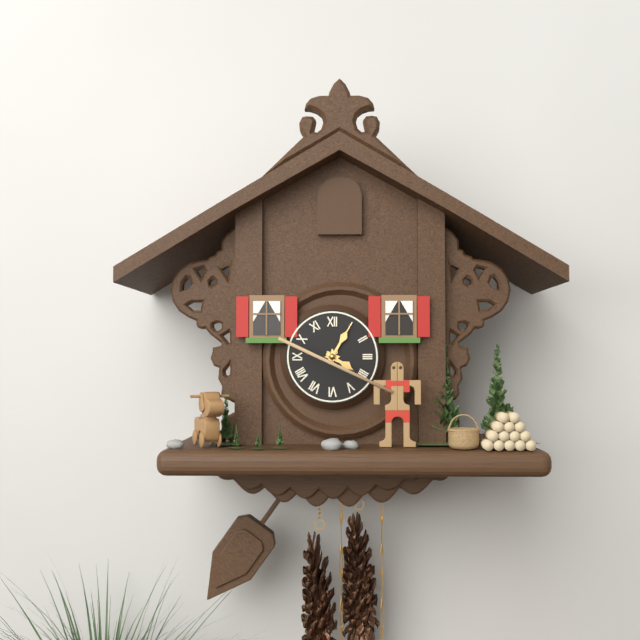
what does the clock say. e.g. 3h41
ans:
4h05
